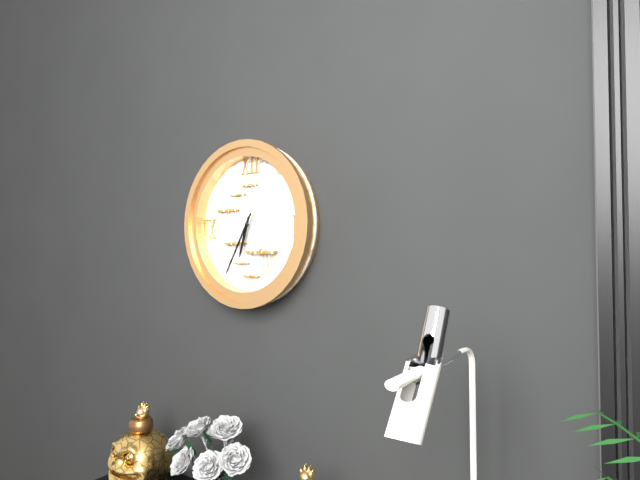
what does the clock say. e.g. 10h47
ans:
6h35
